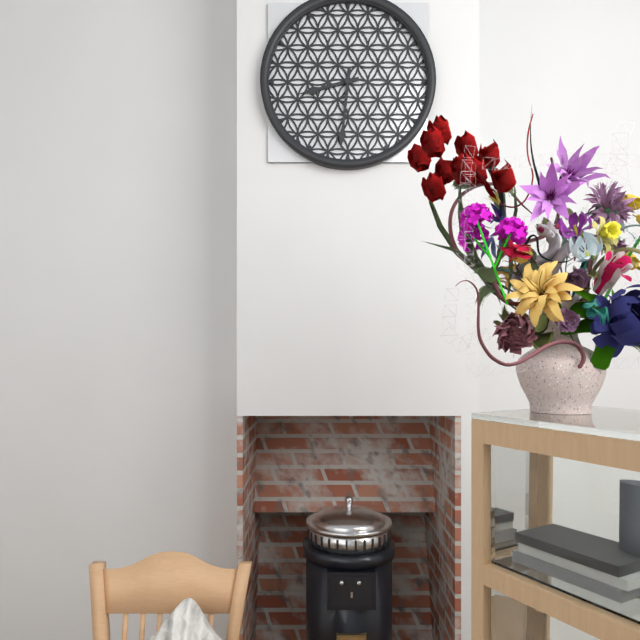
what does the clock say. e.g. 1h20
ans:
8h31
